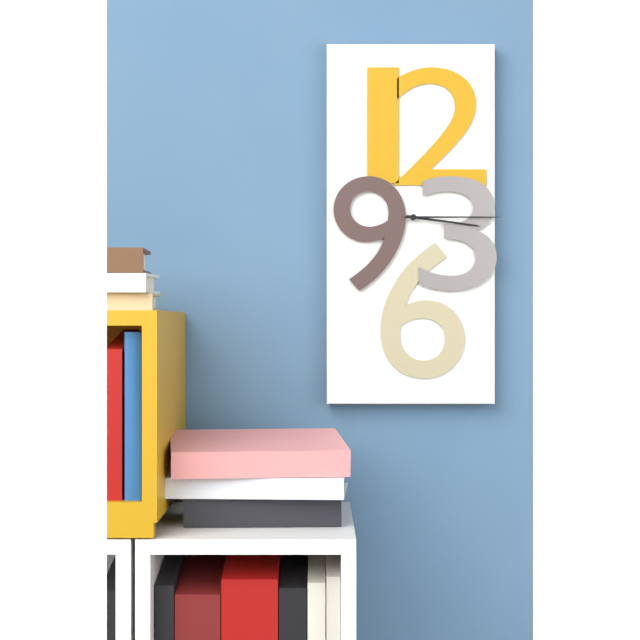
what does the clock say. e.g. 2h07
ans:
3h15
